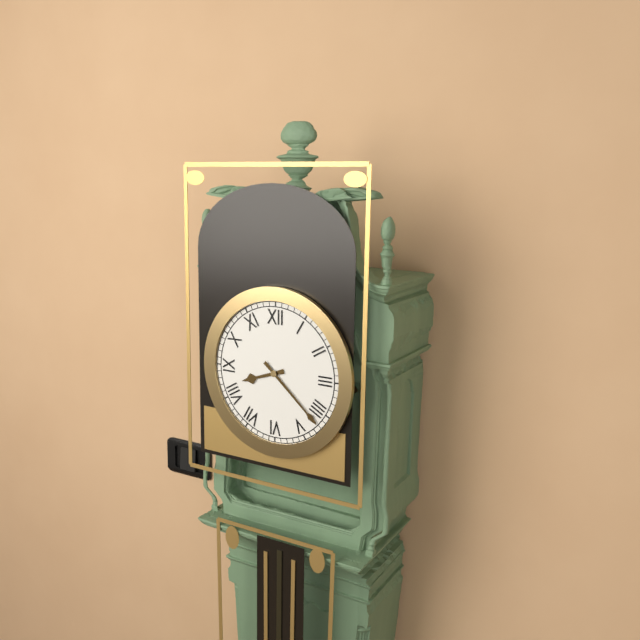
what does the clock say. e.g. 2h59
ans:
8h22
